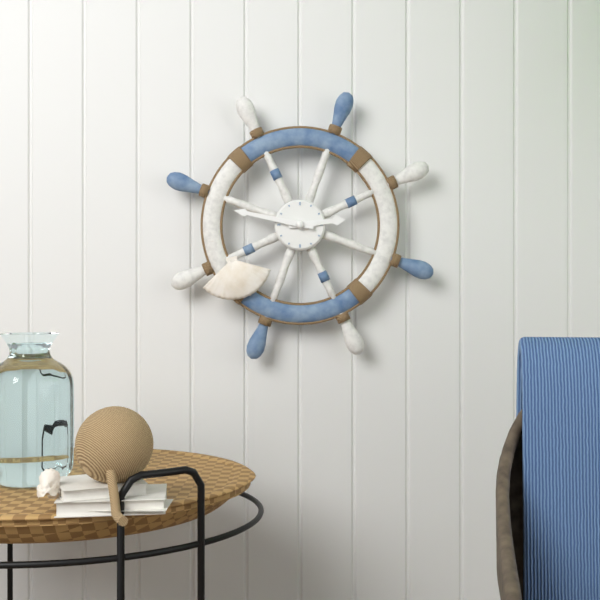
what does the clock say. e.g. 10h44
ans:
2h47
